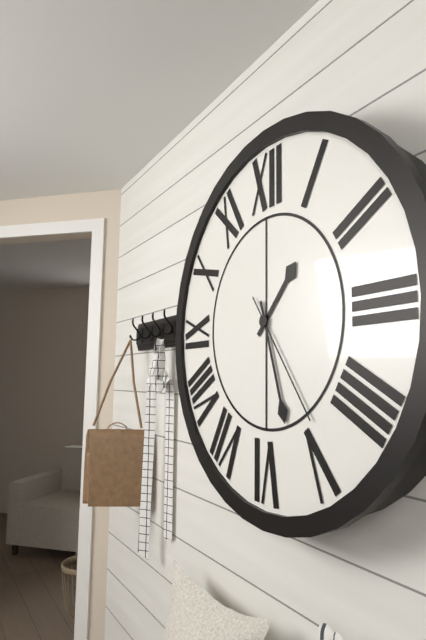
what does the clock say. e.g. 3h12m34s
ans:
1h27m24s
